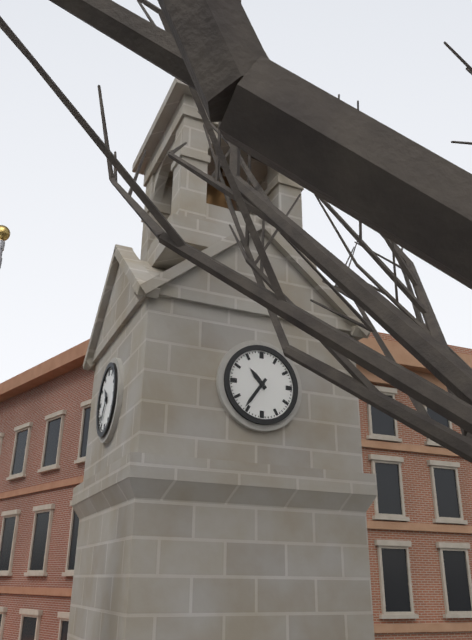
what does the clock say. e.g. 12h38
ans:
10h36
